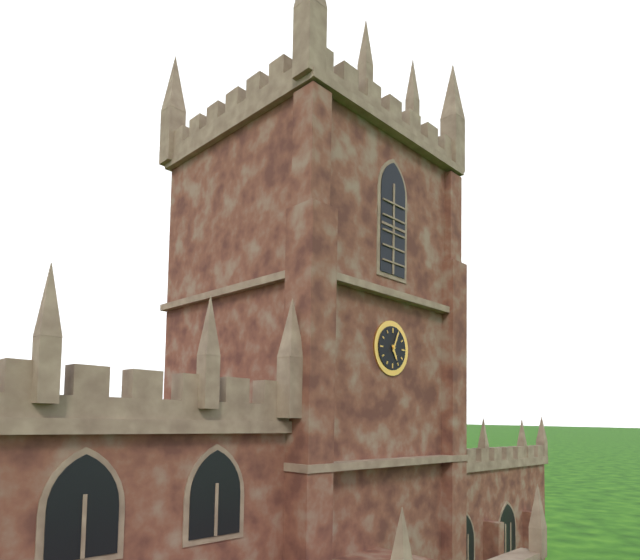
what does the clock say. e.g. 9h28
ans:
5h04
